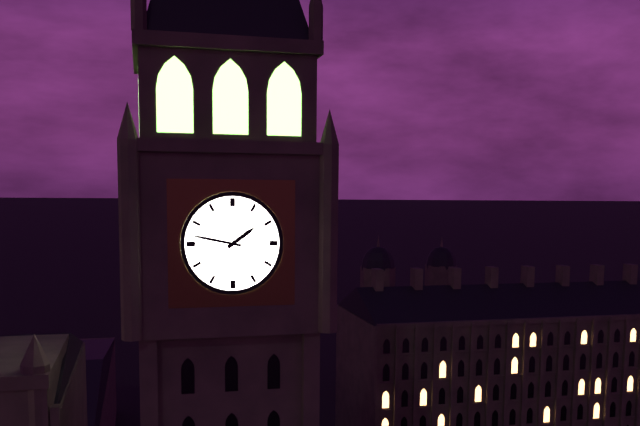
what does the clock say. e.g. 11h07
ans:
1h47
